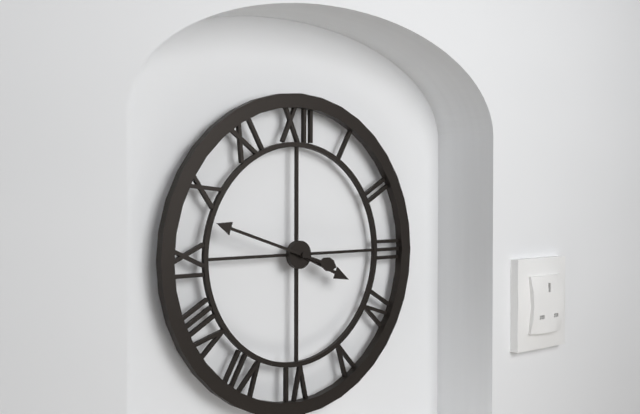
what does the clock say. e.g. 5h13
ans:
3h48
